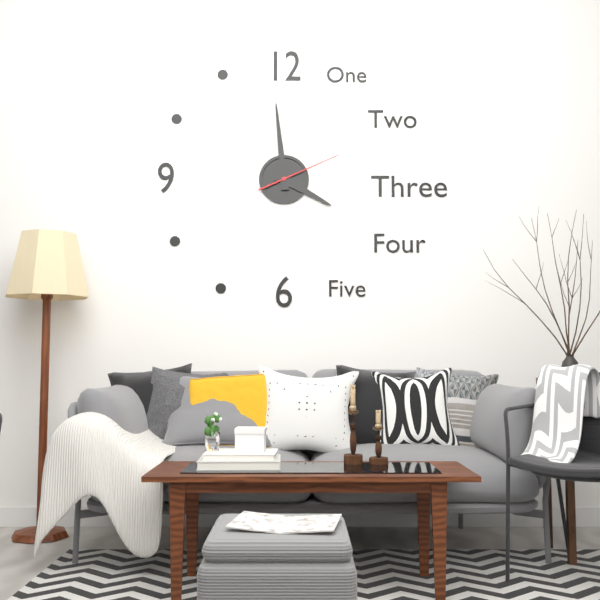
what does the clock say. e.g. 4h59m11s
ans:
3h59m11s
